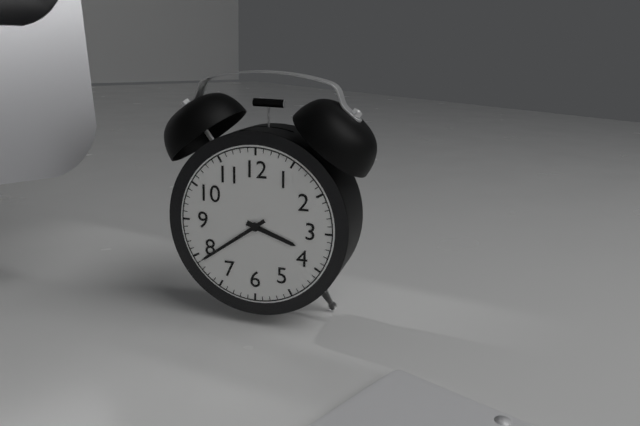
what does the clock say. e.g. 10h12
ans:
3h39
